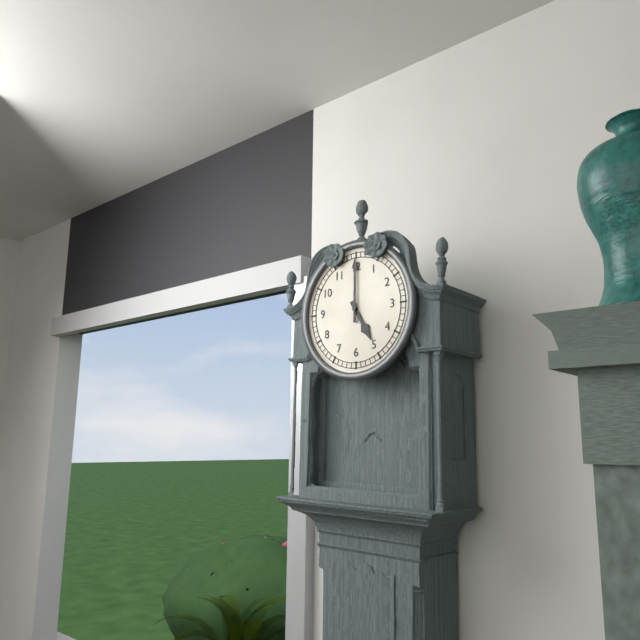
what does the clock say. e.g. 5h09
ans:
5h00
